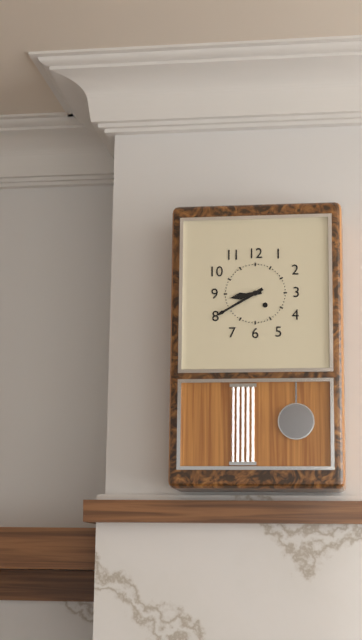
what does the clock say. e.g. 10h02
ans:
8h40
